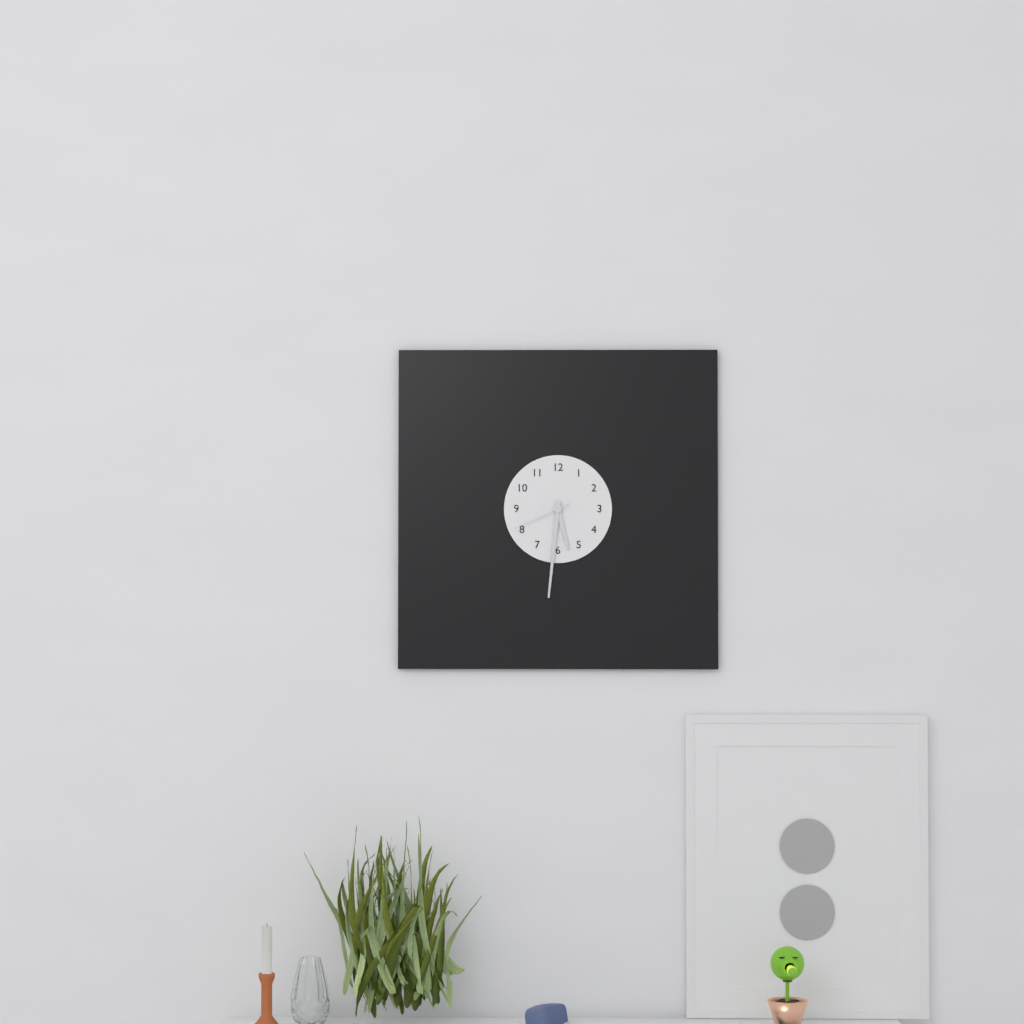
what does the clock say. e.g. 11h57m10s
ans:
5h31m41s
